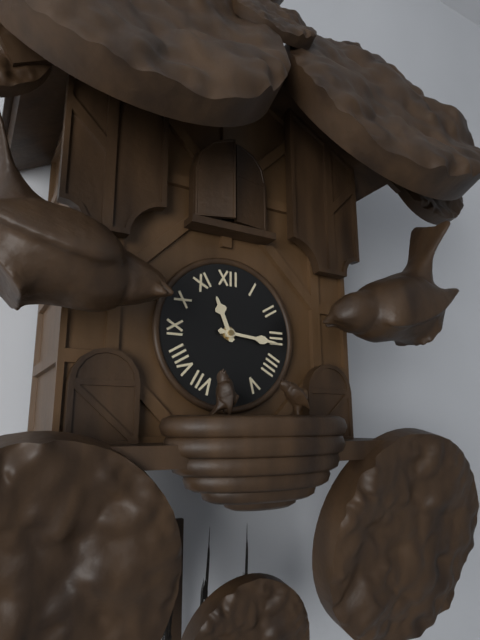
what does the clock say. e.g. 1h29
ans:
11h16
